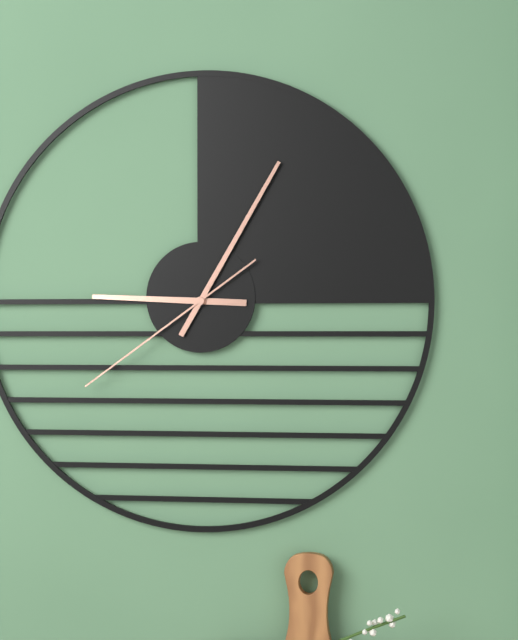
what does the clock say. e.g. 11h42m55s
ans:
9h05m39s
